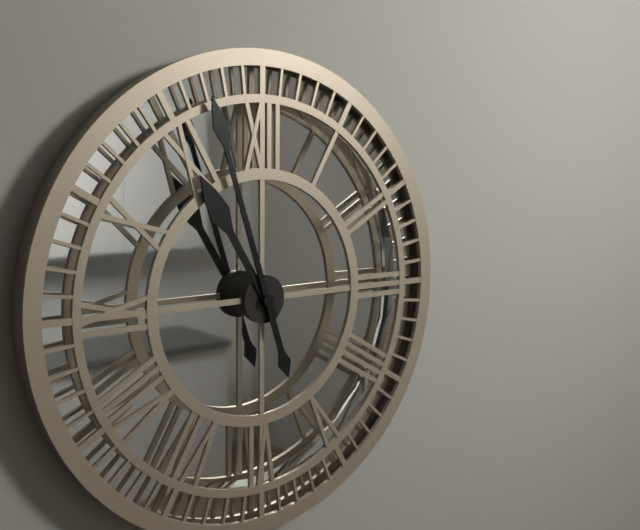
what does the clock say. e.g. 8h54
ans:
10h57
